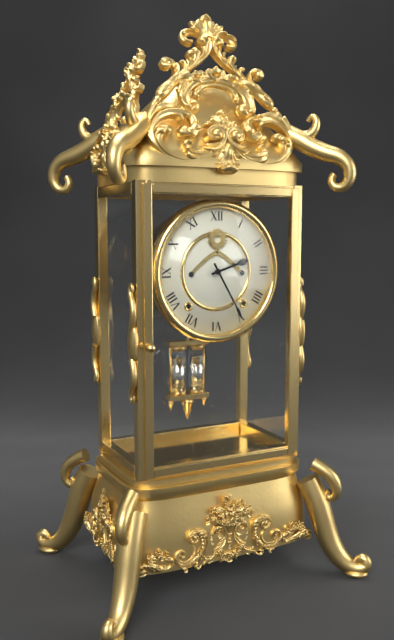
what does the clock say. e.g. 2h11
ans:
2h25
